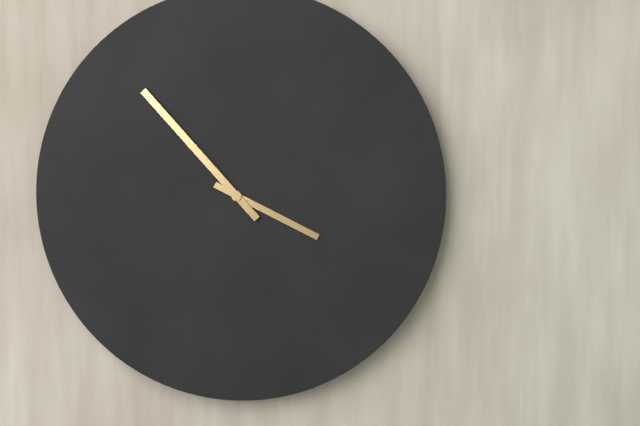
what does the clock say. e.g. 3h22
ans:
3h53
